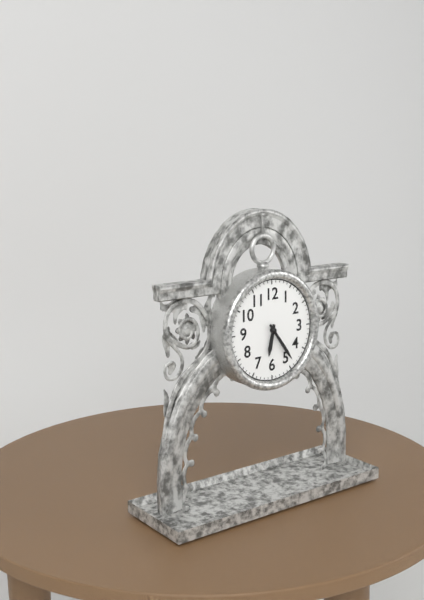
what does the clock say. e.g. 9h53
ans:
6h24
